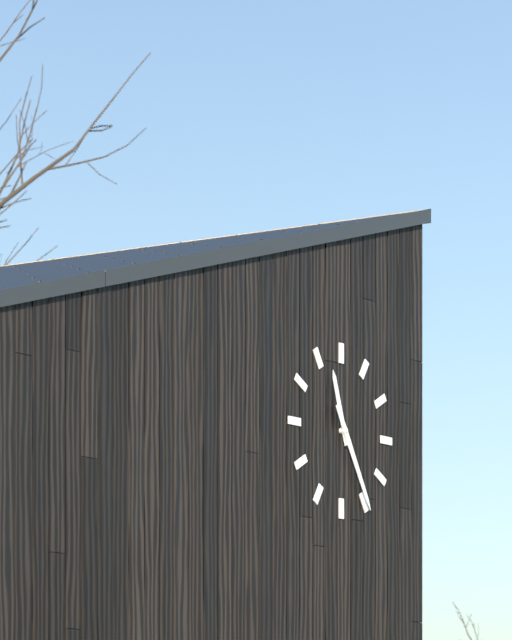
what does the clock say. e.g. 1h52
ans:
11h25
